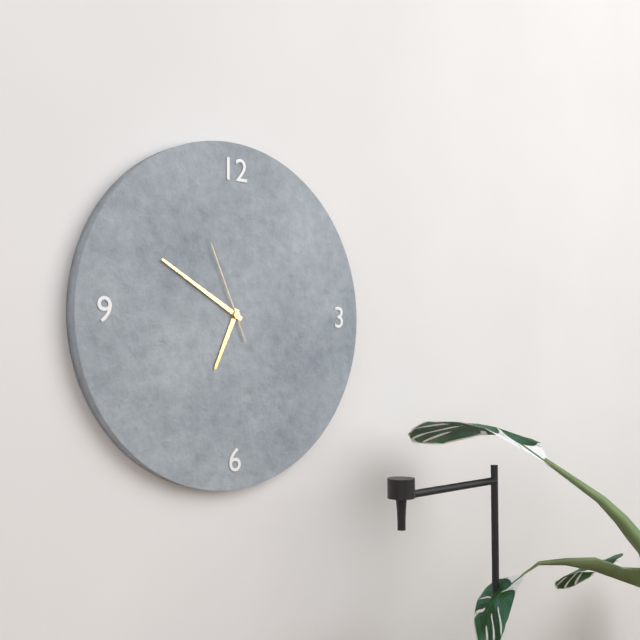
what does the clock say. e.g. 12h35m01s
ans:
6h50m56s
